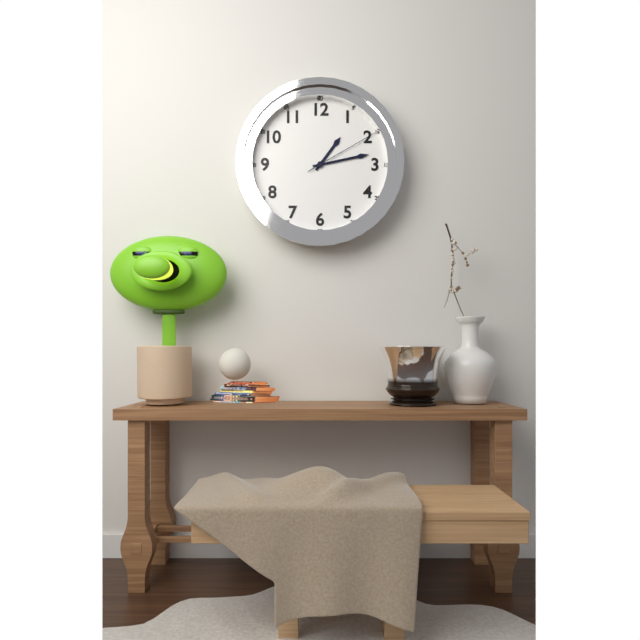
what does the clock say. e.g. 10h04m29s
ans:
1h13m10s
